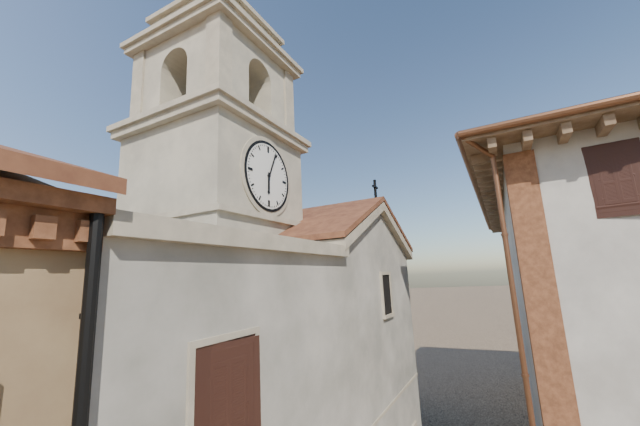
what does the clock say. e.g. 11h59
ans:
6h04
